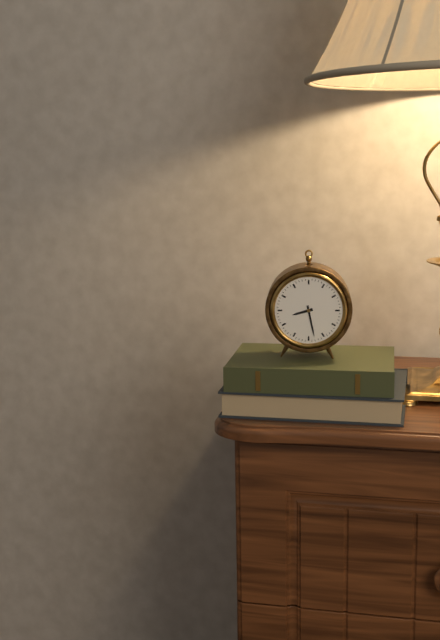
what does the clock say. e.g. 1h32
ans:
8h28
